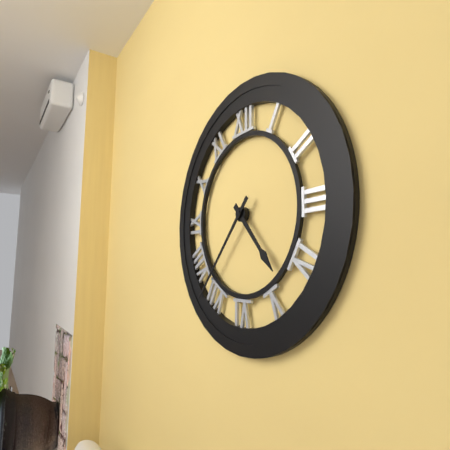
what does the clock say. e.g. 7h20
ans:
4h37
